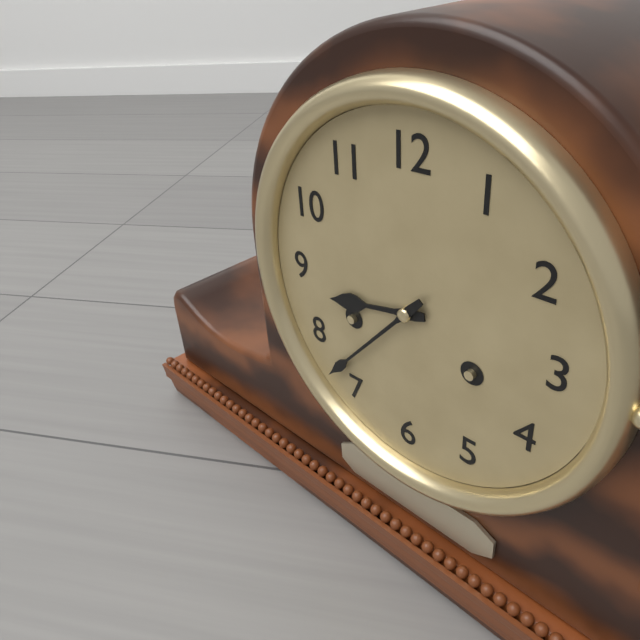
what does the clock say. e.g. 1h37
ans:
8h37
